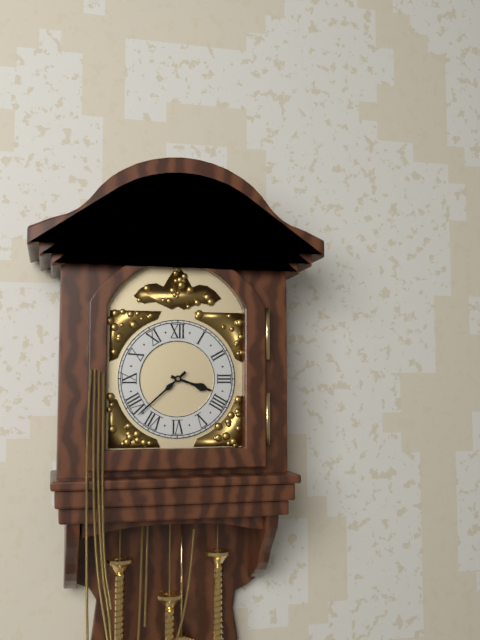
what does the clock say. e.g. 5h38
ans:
3h38
